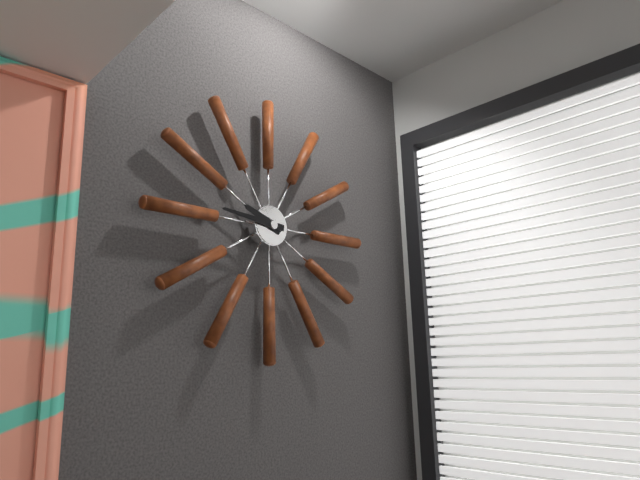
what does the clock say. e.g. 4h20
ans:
9h46
